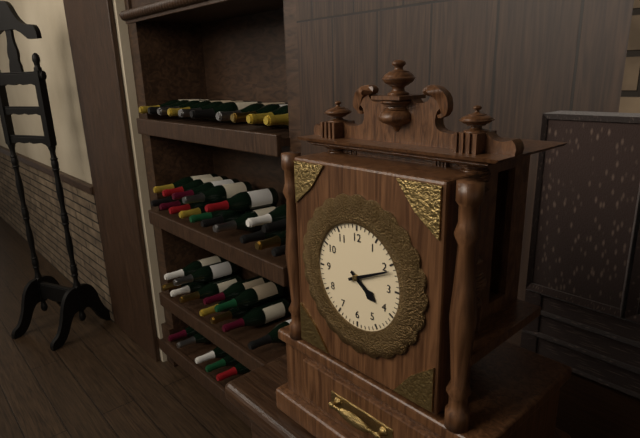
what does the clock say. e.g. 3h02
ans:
4h11
